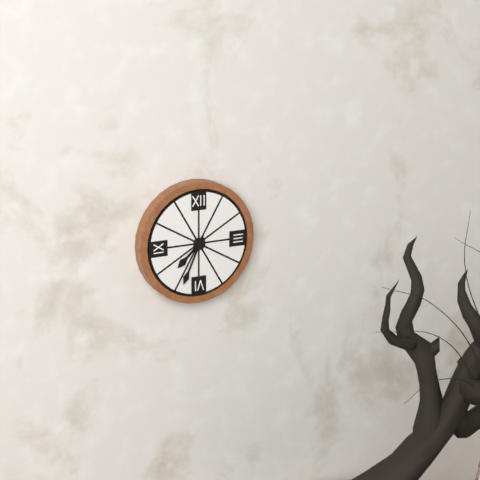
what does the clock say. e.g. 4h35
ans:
7h34
